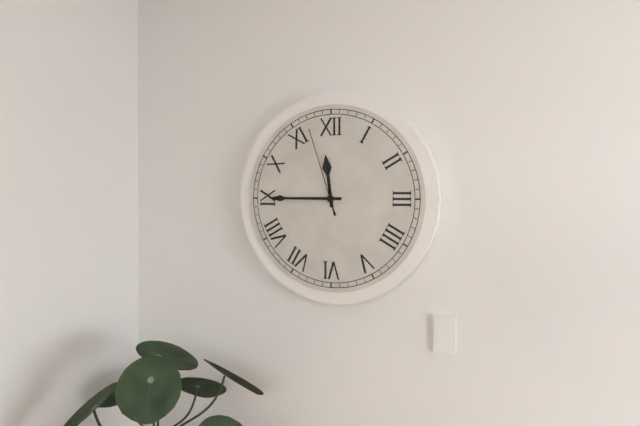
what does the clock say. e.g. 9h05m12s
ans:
11h45m57s
